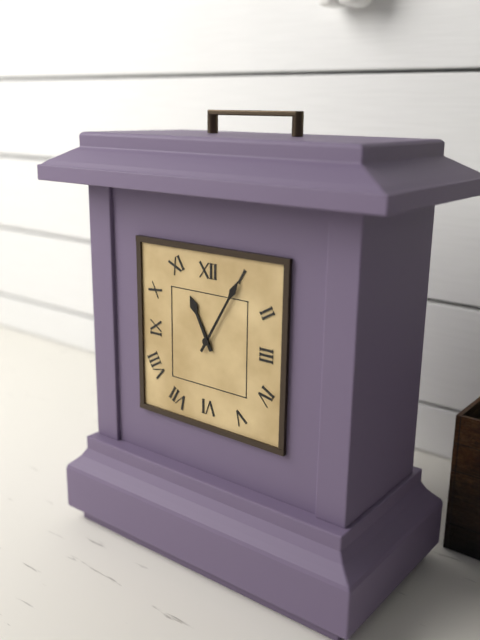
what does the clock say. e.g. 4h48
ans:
11h05
